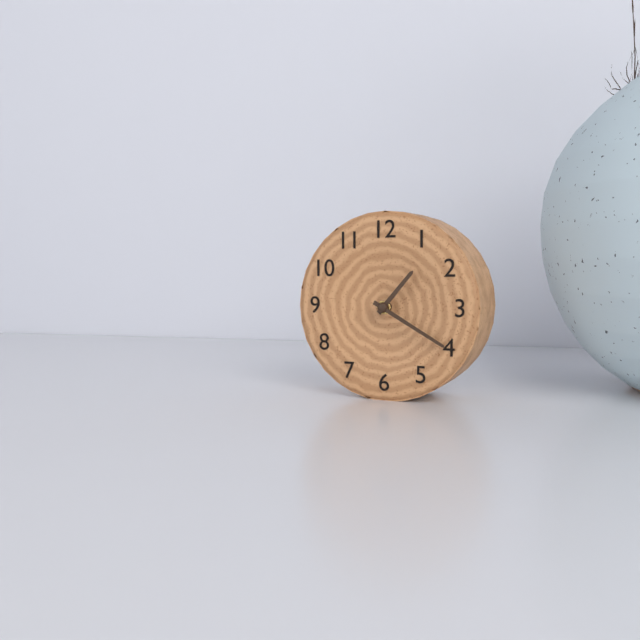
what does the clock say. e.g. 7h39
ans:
1h20
